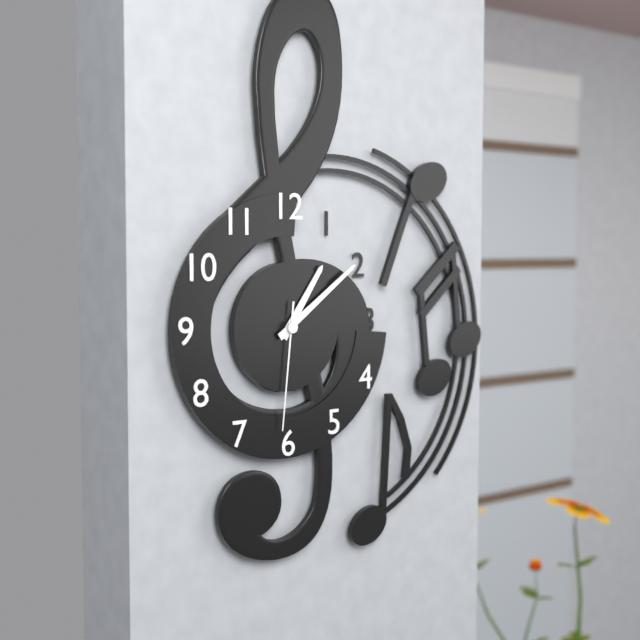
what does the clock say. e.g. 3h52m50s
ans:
1h09m31s
